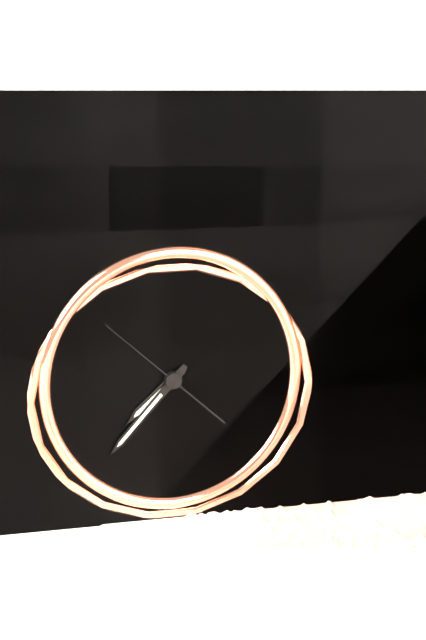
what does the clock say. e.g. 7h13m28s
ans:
7h37m52s
